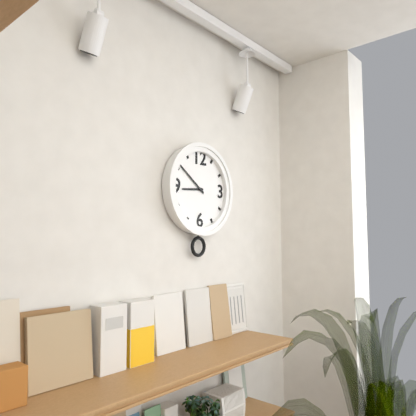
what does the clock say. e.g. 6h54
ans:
8h51
